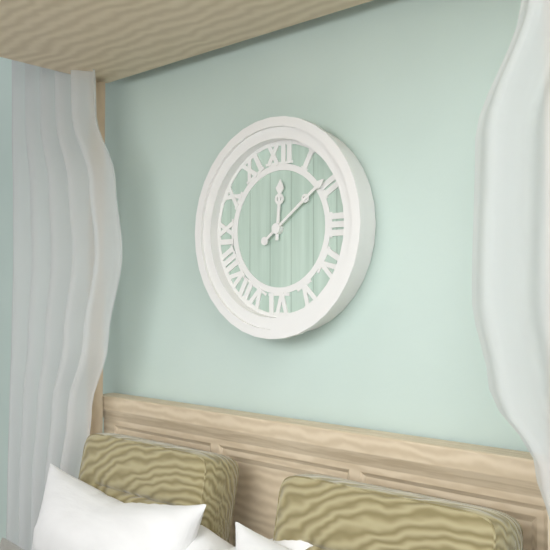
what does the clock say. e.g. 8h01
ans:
12h09
